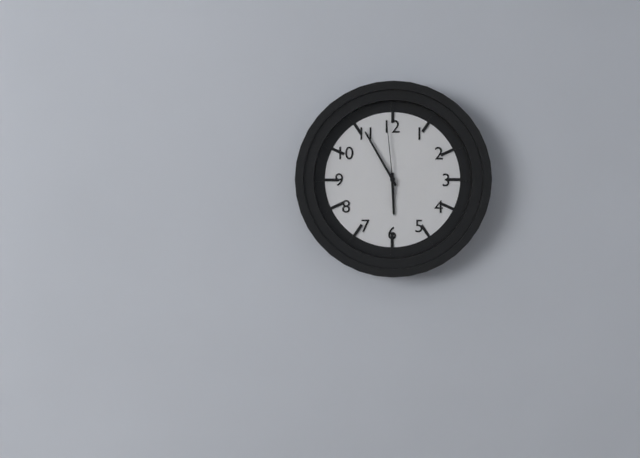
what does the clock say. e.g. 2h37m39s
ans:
5h55m59s
